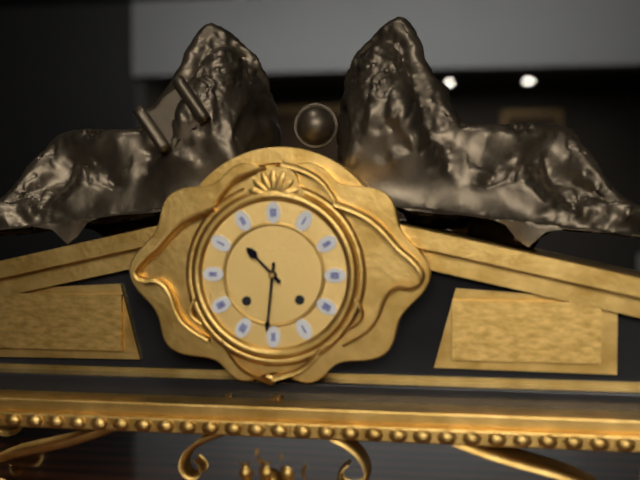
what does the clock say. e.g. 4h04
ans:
10h31
